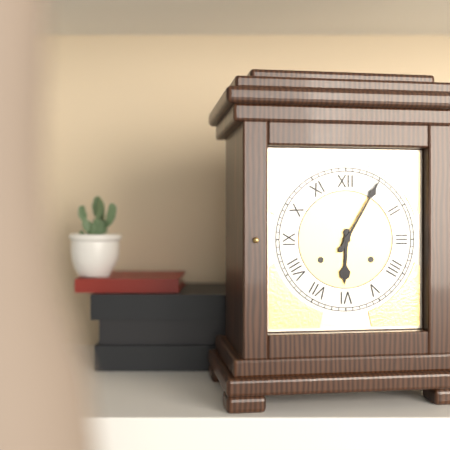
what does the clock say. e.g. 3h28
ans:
6h05
